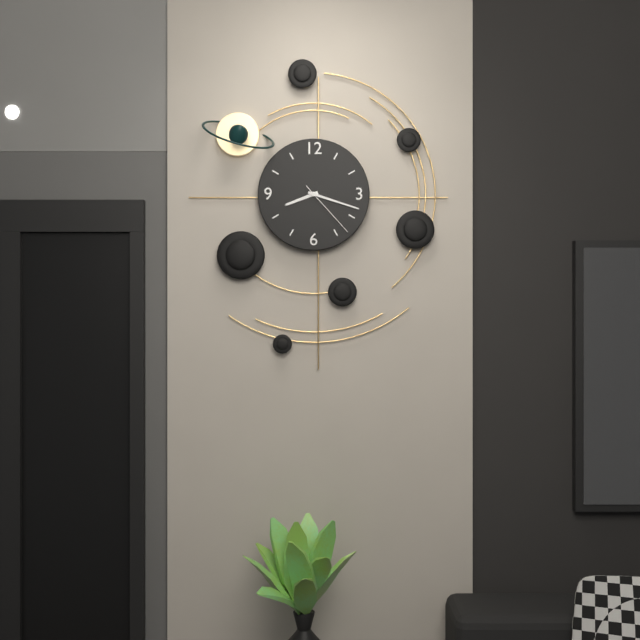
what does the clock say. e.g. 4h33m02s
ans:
8h18m23s
